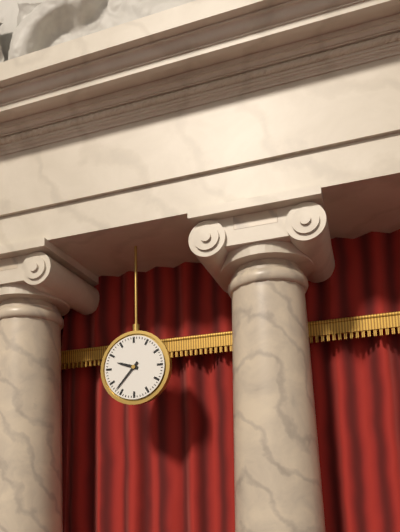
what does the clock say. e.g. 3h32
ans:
9h37
